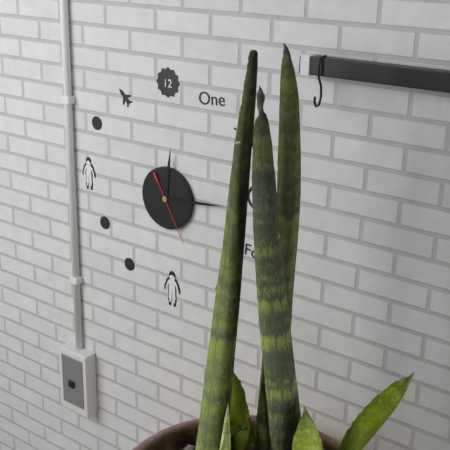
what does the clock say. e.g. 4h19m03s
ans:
12h14m25s
